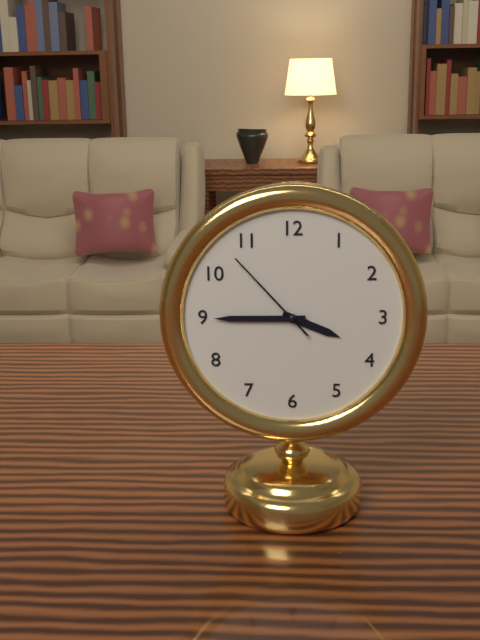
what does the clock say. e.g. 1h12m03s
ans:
3h45m53s
